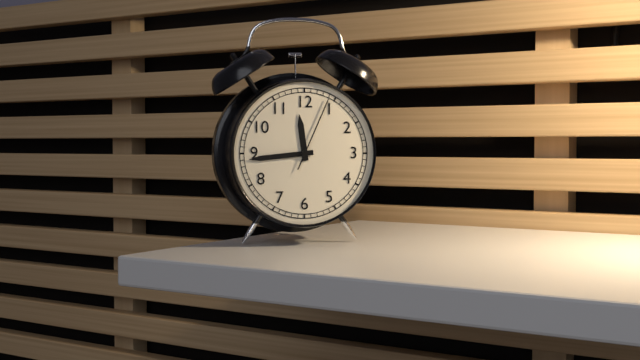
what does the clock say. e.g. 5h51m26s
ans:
11h44m04s
